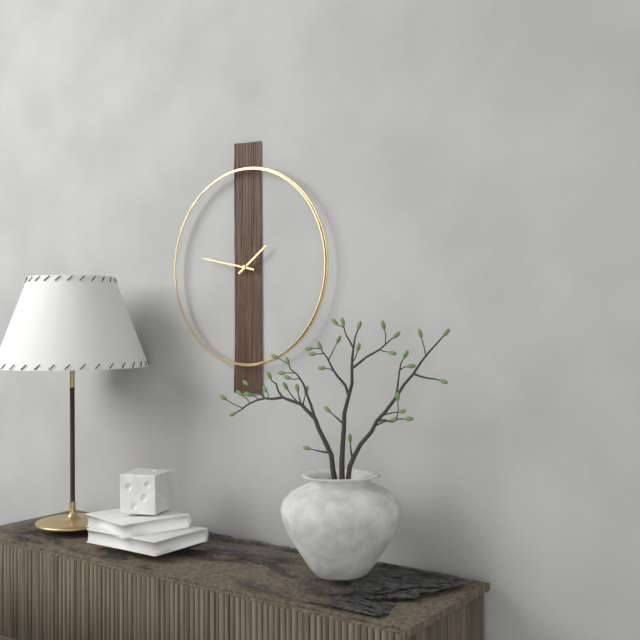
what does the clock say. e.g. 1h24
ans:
1h47
